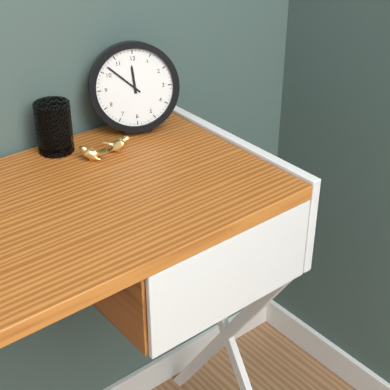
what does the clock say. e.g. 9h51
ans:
11h52
